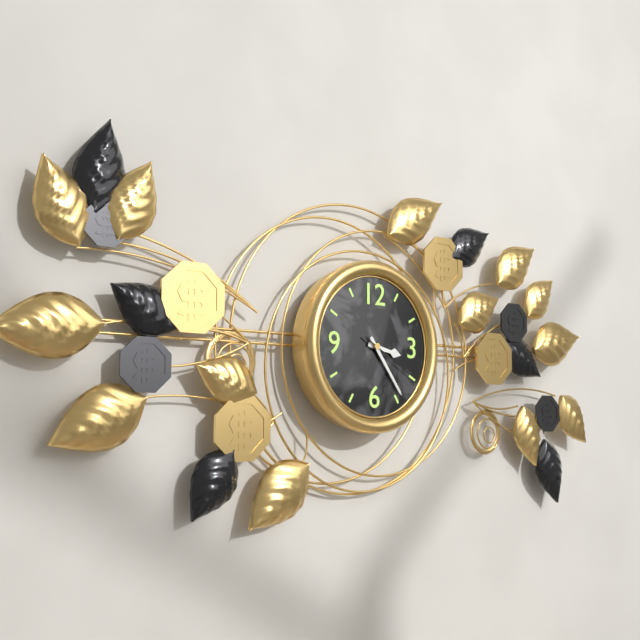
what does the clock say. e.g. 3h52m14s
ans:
3h24m20s
